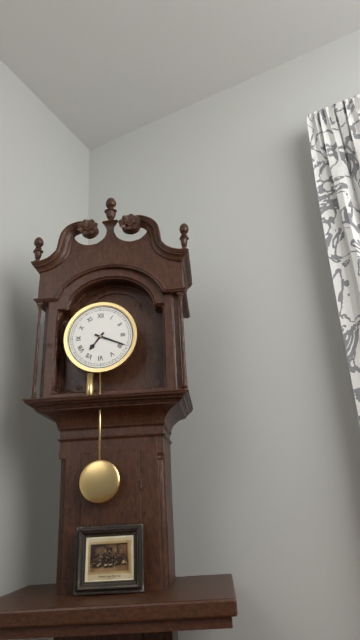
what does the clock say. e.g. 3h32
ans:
7h19
